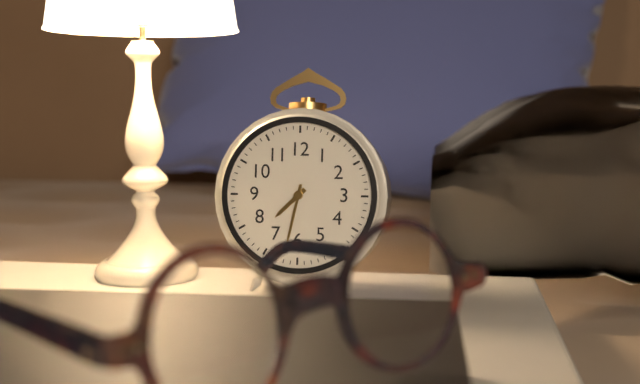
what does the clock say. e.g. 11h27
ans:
7h32
